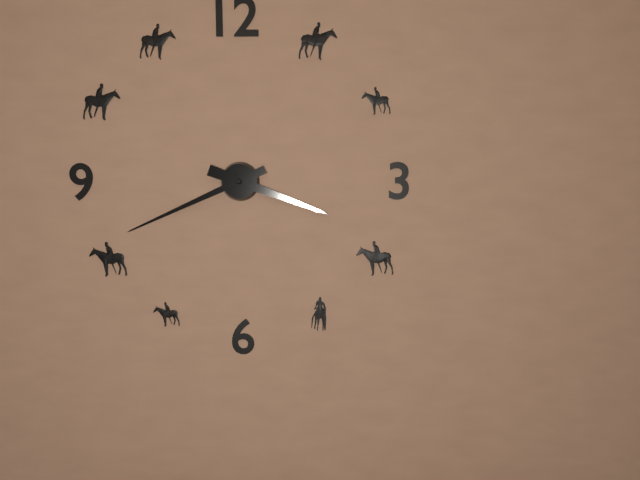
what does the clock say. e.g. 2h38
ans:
3h41
